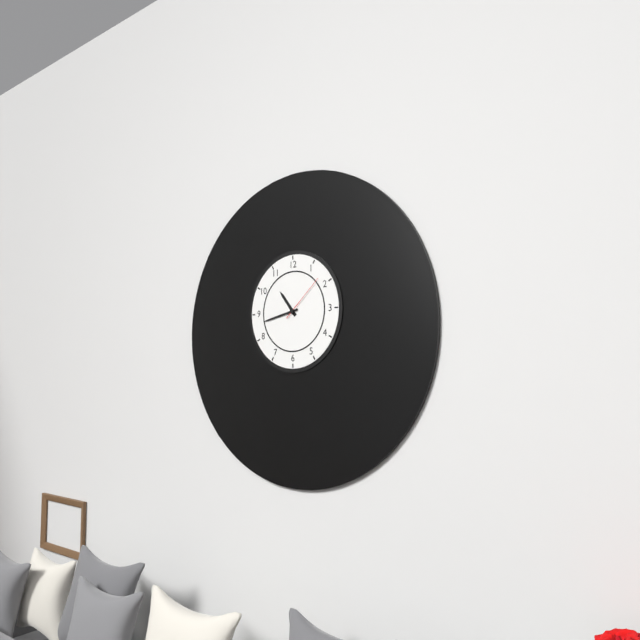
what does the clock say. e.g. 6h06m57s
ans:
10h43m08s
